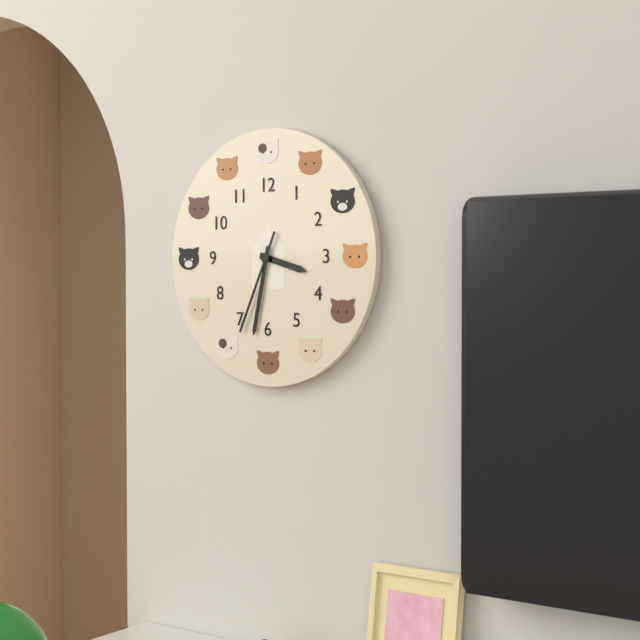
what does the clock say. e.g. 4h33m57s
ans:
3h32m34s
